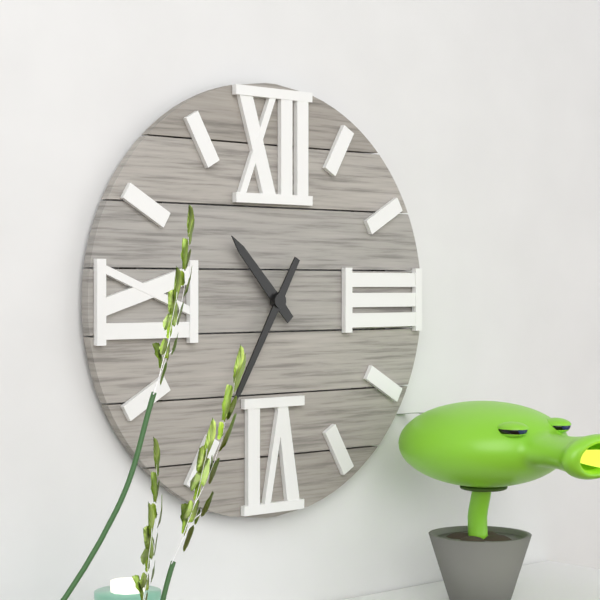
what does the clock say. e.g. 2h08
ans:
10h35
